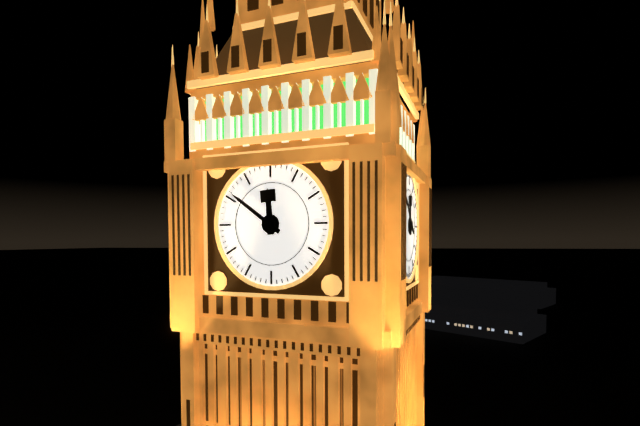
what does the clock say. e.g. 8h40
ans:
11h51
